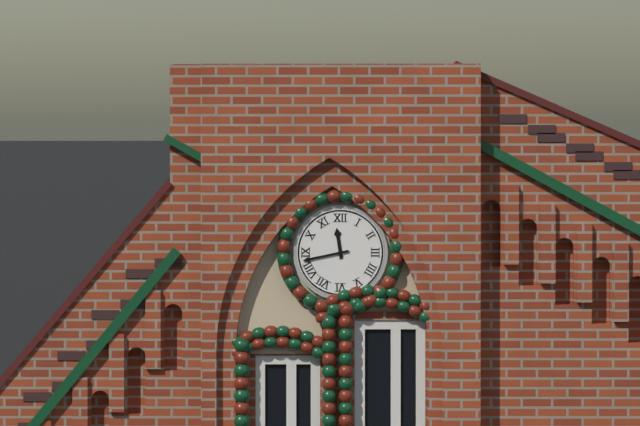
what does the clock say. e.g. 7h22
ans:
11h43
